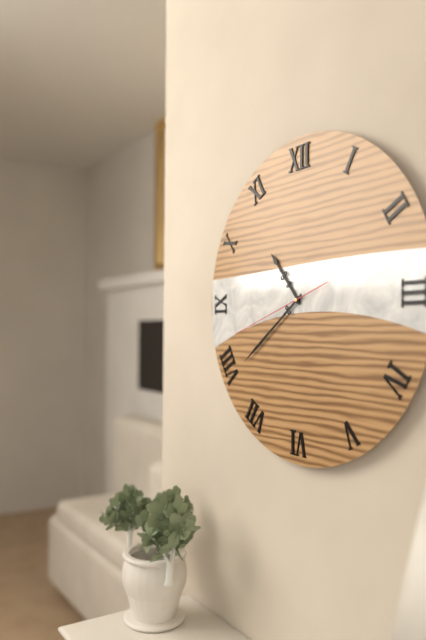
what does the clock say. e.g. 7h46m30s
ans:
10h39m42s
